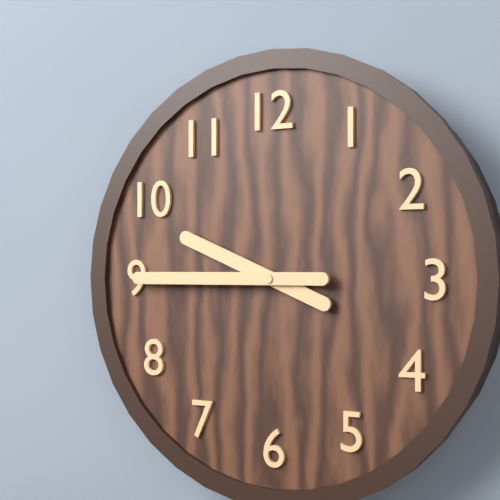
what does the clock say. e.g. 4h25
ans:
9h45
